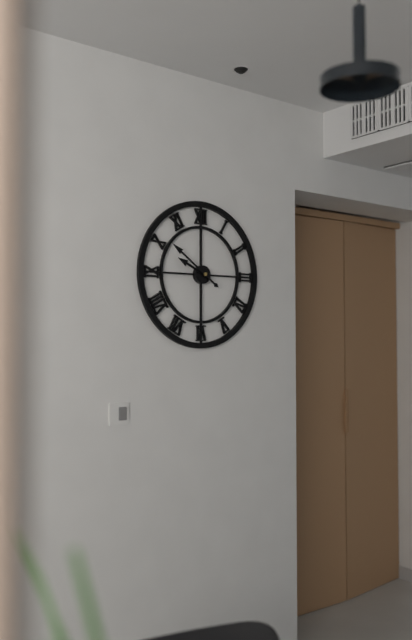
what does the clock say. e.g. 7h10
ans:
9h51
